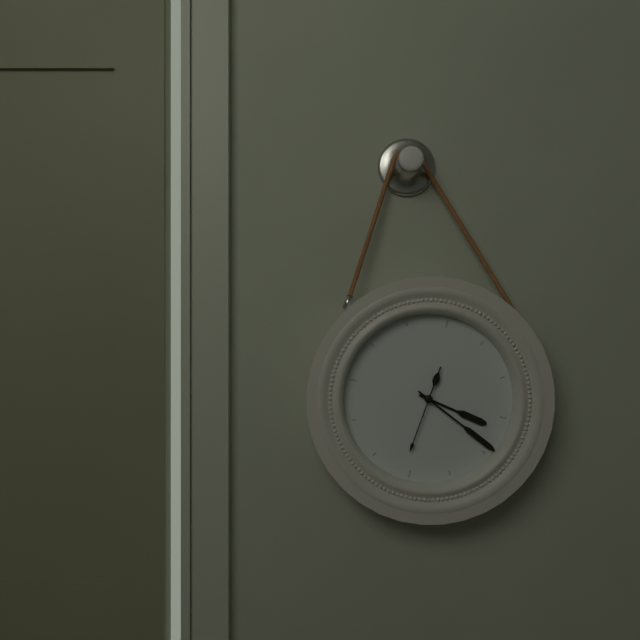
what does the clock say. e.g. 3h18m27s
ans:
3h19m31s
